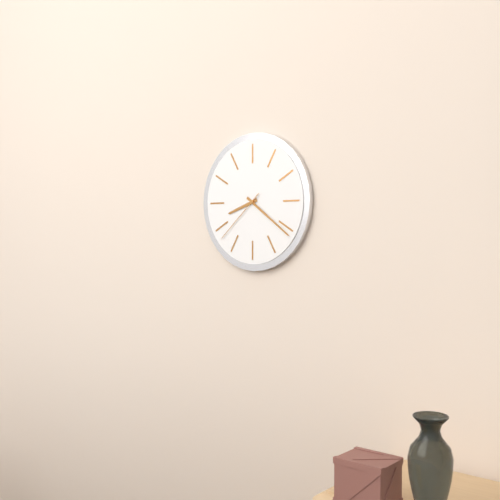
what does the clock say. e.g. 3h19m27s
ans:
8h21m38s
